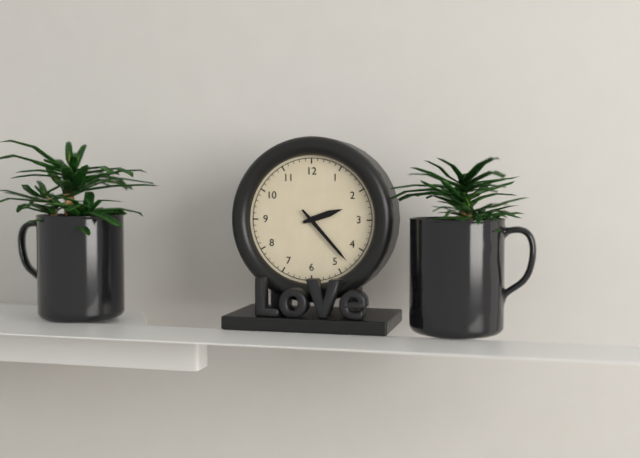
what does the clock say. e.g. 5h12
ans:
2h23
